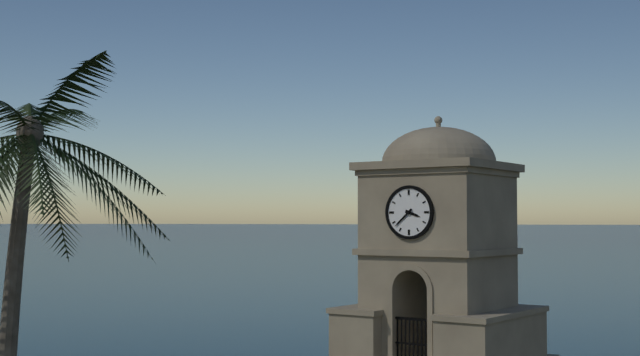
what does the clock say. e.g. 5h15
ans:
3h38
